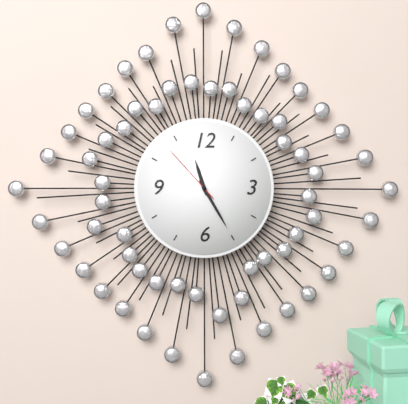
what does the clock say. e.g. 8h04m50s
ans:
11h25m53s
